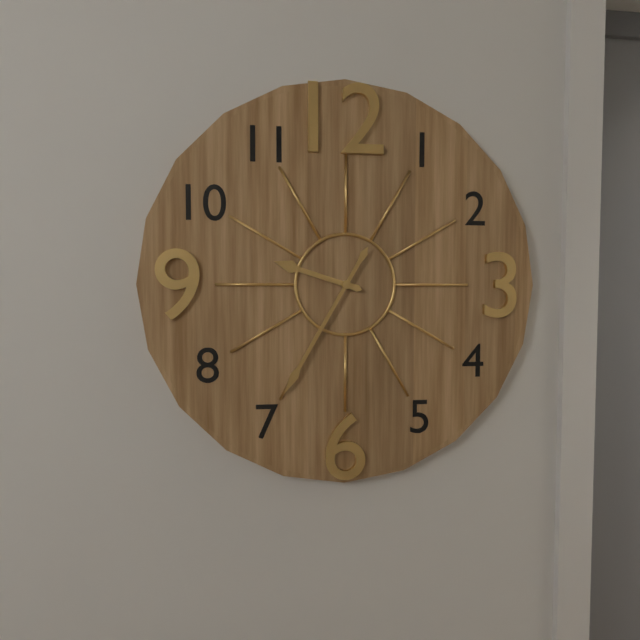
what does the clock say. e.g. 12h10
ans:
9h35
